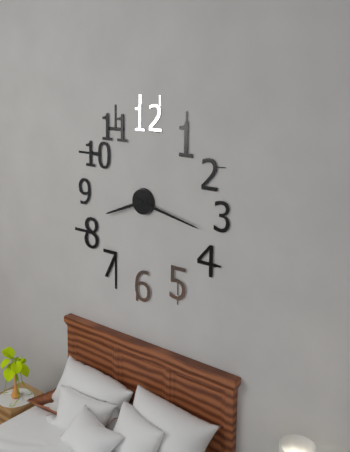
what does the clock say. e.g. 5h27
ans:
8h17
